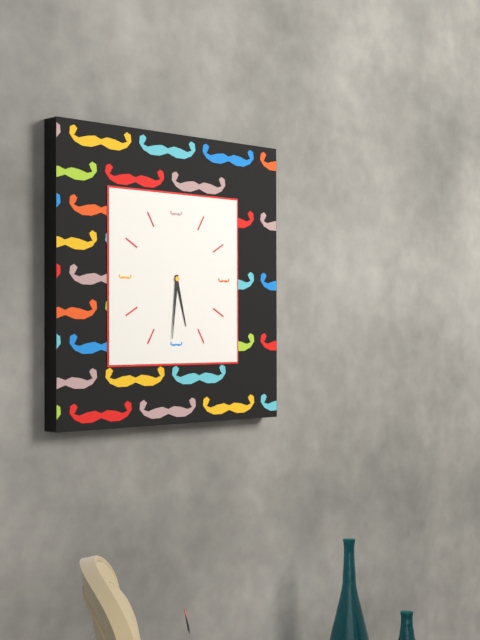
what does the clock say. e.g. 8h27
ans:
5h31
